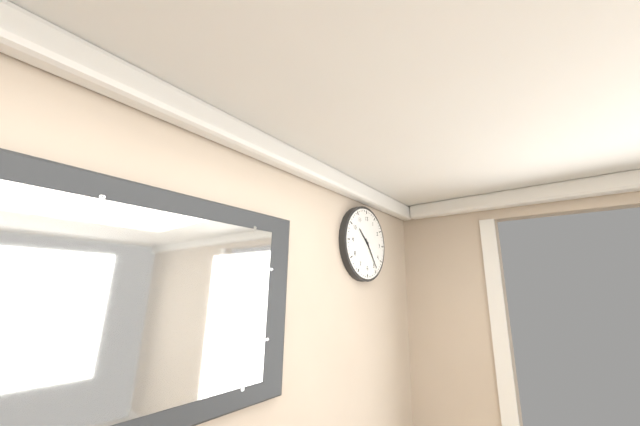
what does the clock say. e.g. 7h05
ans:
10h24
